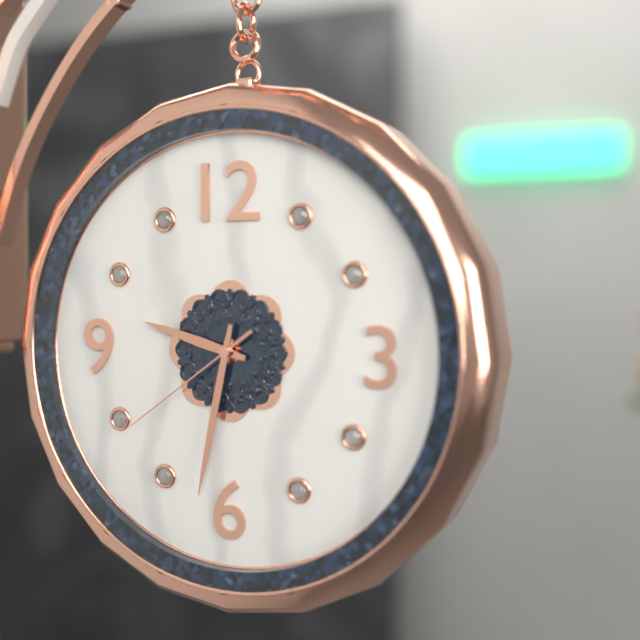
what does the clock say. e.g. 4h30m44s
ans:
9h32m39s
